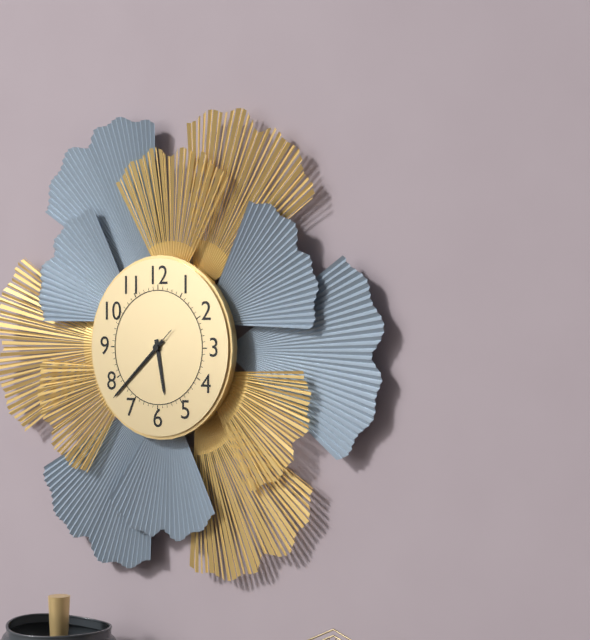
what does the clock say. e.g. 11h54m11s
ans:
5h38m38s
